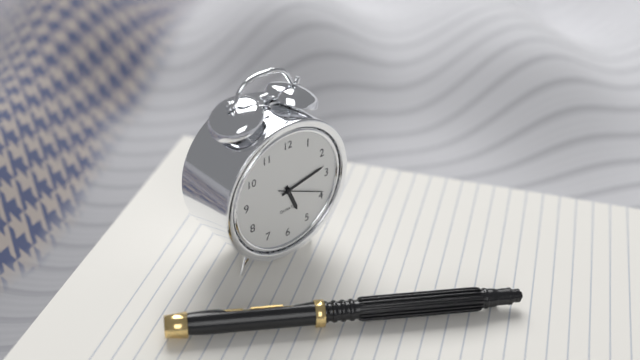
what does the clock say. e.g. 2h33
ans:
5h13
